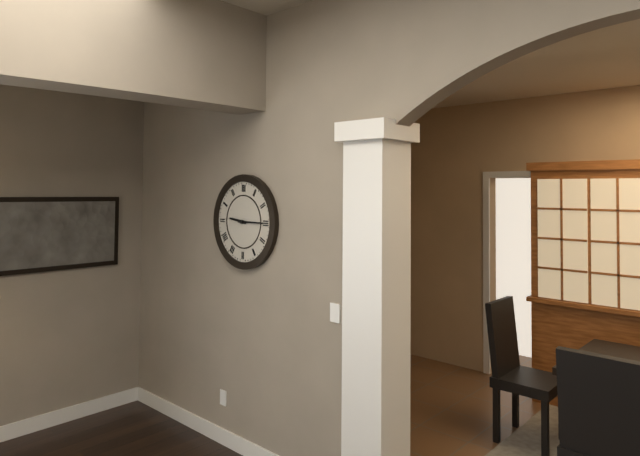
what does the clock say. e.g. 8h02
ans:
9h15
